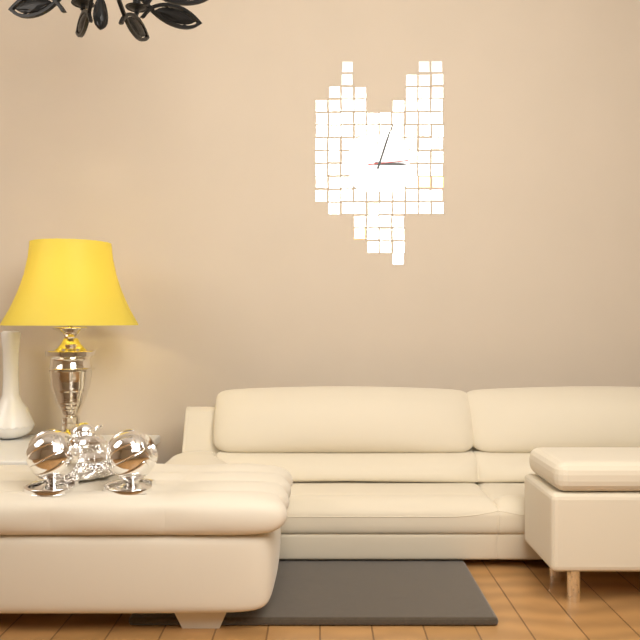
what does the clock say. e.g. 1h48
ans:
3h03
